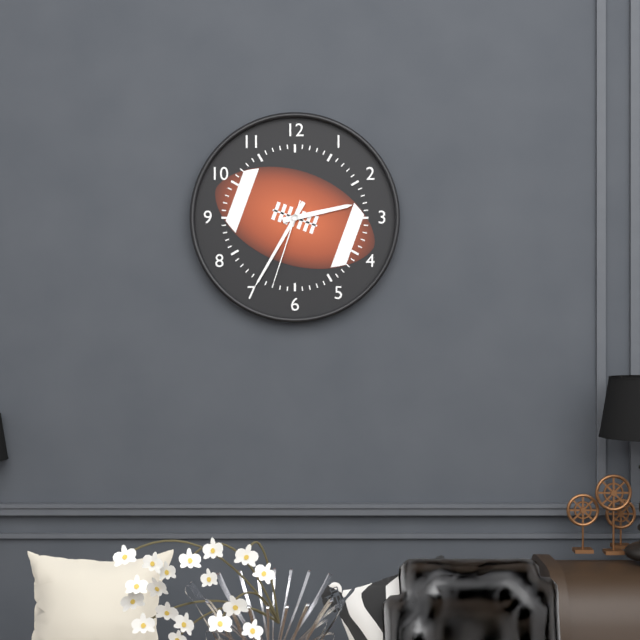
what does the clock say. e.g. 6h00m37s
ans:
2h35m33s
